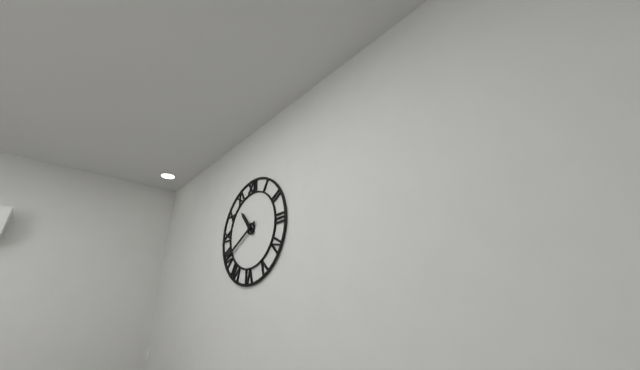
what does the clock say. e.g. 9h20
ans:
10h40
